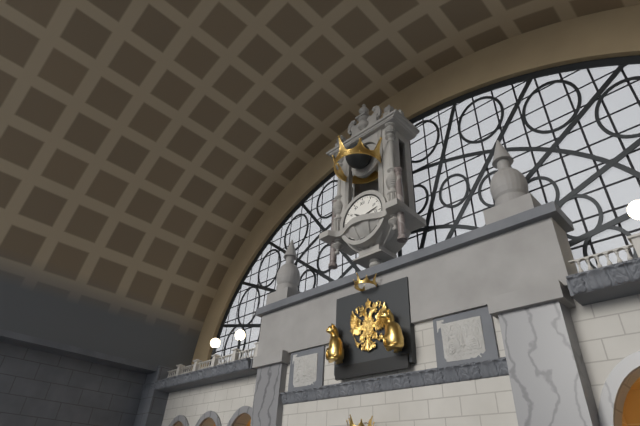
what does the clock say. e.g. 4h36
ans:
10h13
